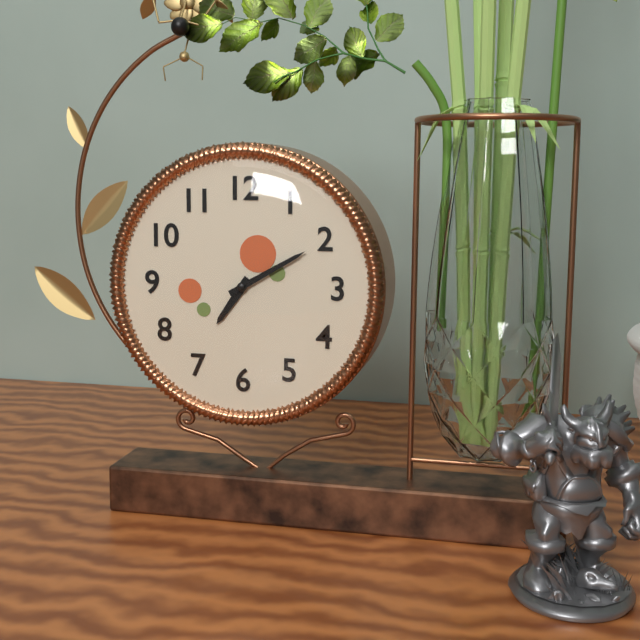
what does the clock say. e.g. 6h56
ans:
7h10
